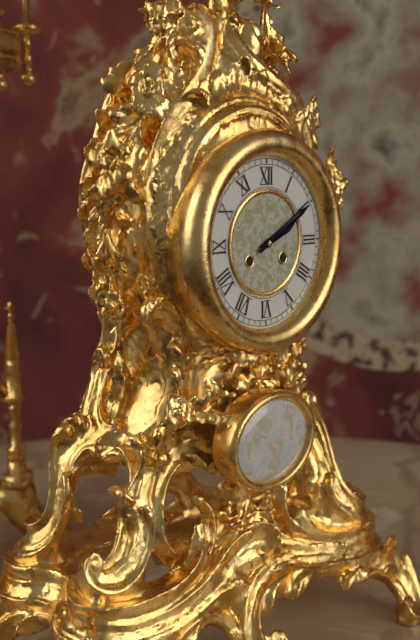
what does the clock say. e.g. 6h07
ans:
2h10
